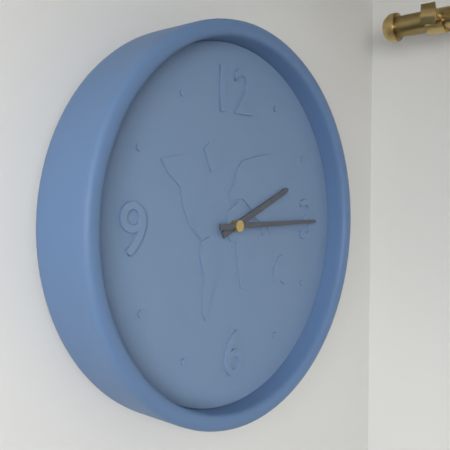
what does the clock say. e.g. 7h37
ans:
2h15
